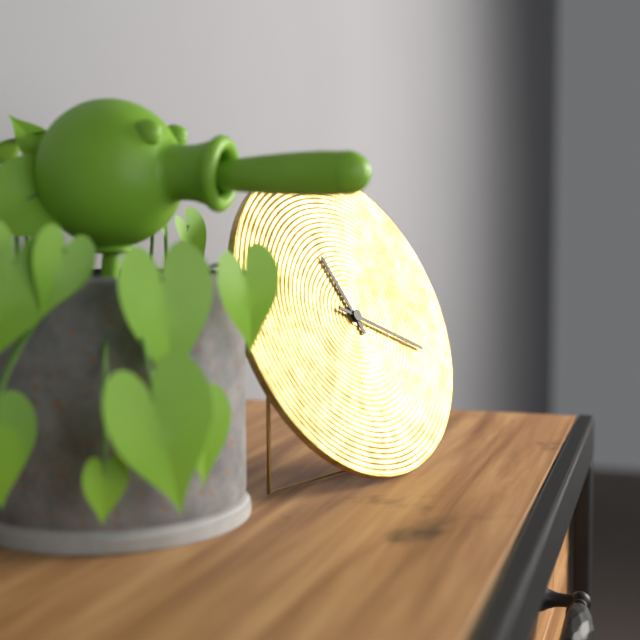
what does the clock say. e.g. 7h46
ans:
11h19
